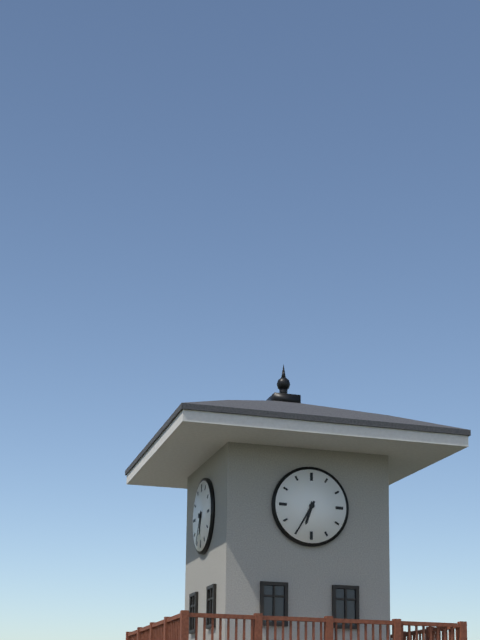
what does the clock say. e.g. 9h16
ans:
6h35
